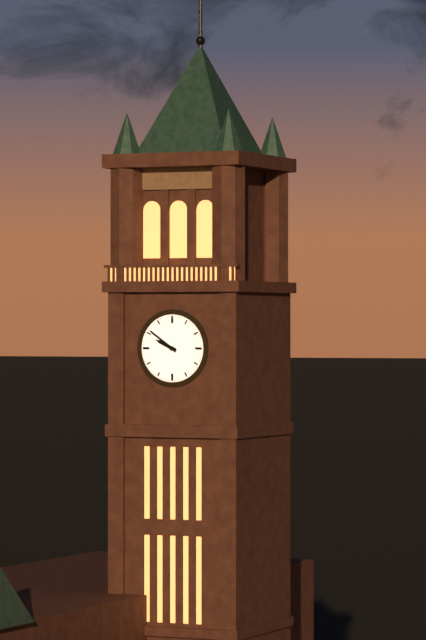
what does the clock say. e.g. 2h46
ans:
9h51
